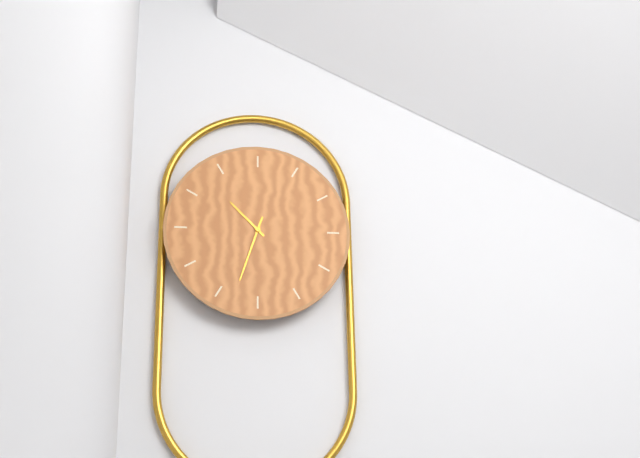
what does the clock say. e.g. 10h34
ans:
10h33
